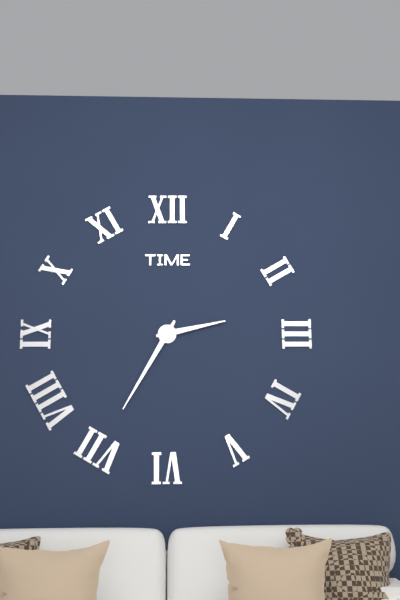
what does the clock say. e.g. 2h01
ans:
2h35
